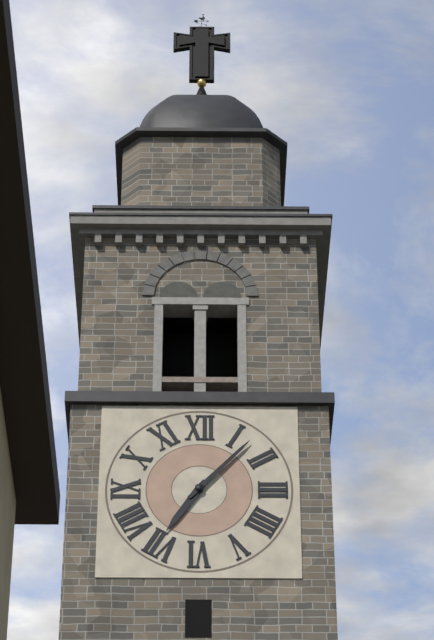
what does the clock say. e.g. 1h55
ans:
7h07
